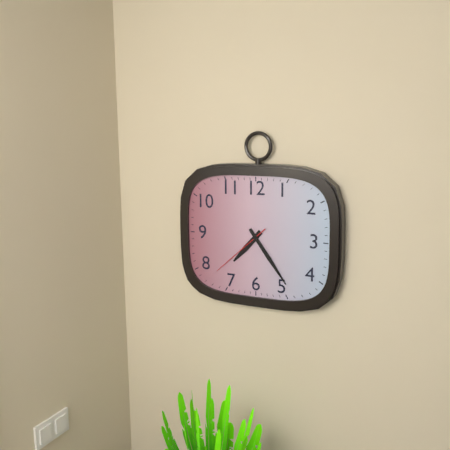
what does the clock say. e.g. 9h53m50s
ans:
7h24m38s
